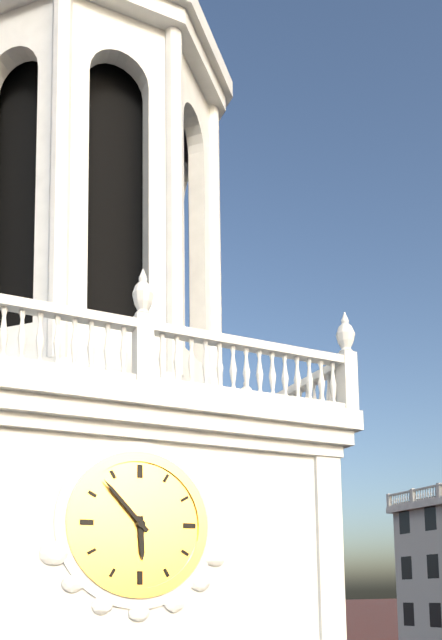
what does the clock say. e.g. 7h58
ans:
5h53
